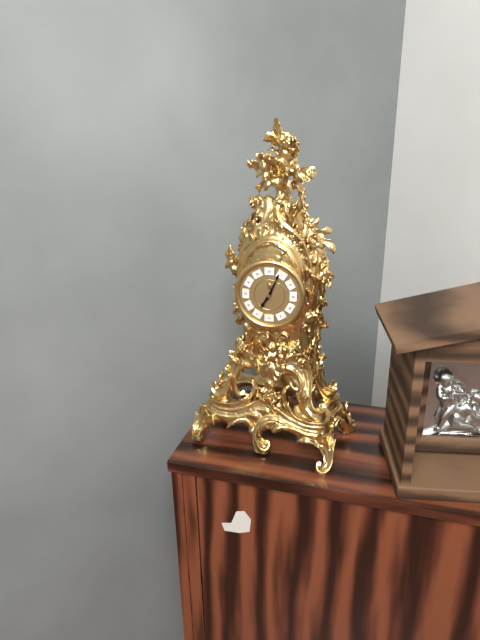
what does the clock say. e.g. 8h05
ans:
7h04
